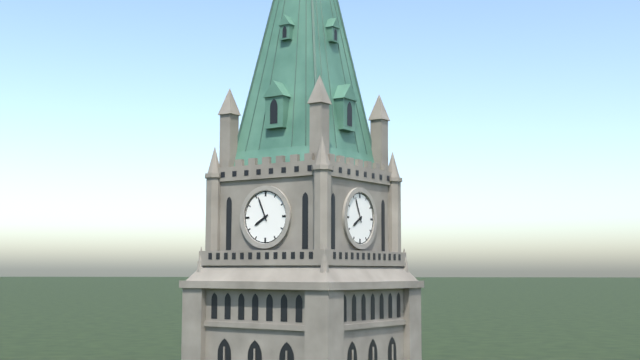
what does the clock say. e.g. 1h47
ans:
7h56
